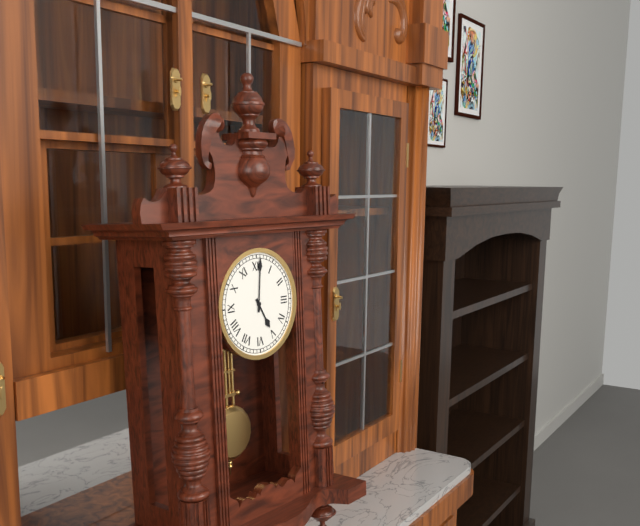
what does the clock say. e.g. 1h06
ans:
5h01
